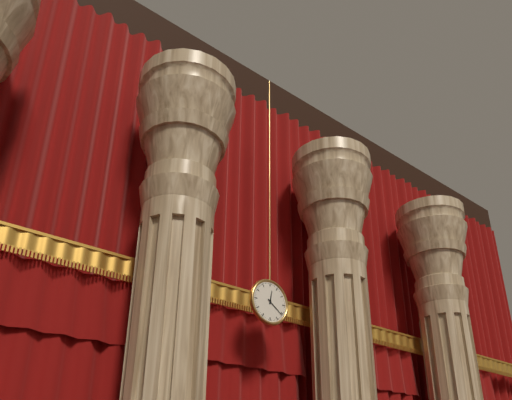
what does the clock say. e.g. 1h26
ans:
12h21
